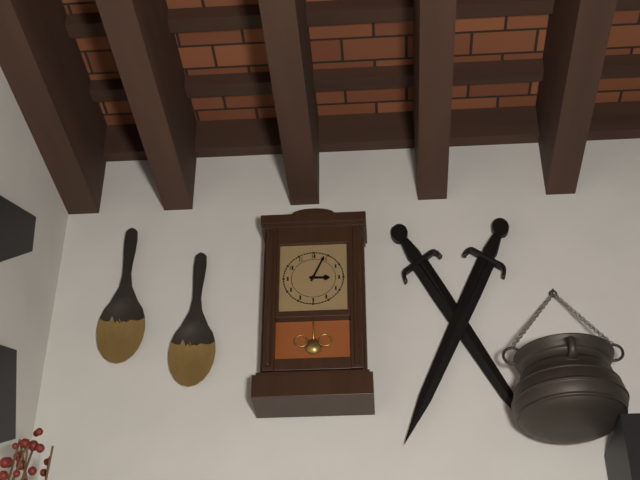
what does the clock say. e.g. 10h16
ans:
3h04
